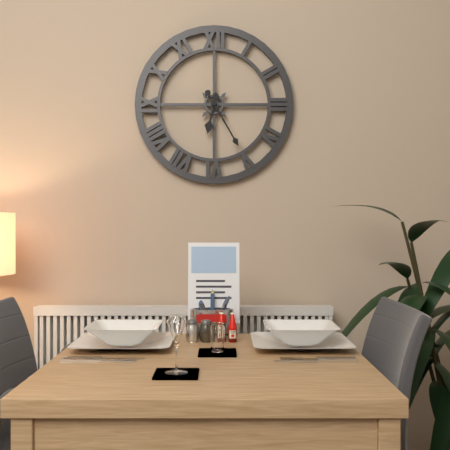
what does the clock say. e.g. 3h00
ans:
6h25
